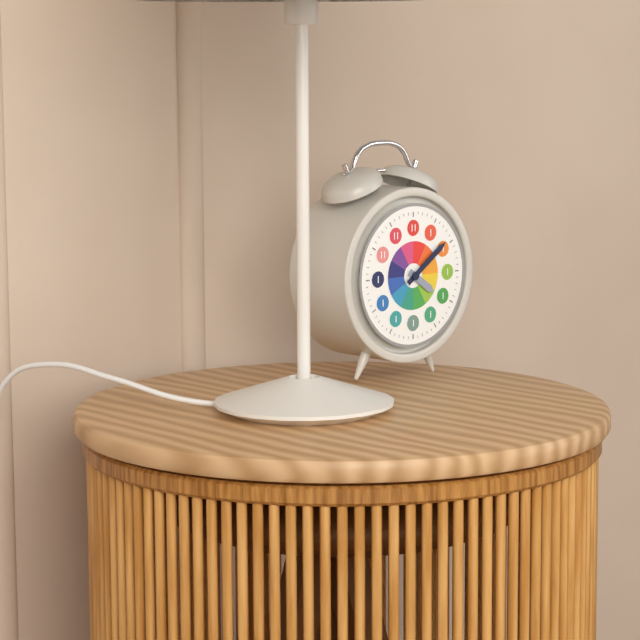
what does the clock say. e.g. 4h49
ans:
4h09
